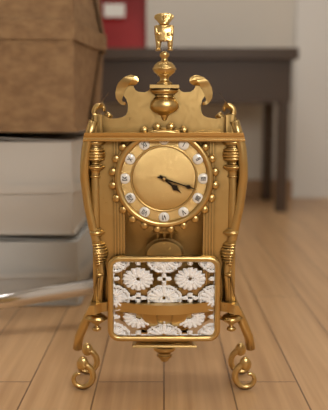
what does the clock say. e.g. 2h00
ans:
4h18
